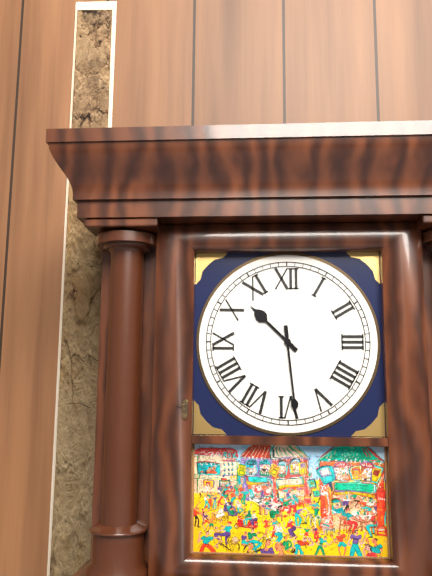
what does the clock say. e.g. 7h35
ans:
10h29
